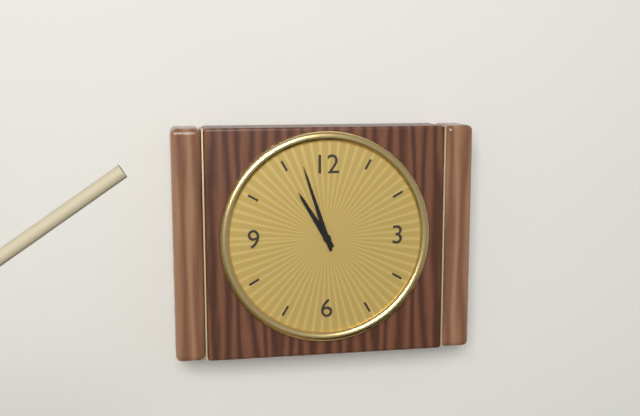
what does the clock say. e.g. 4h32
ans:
10h57
